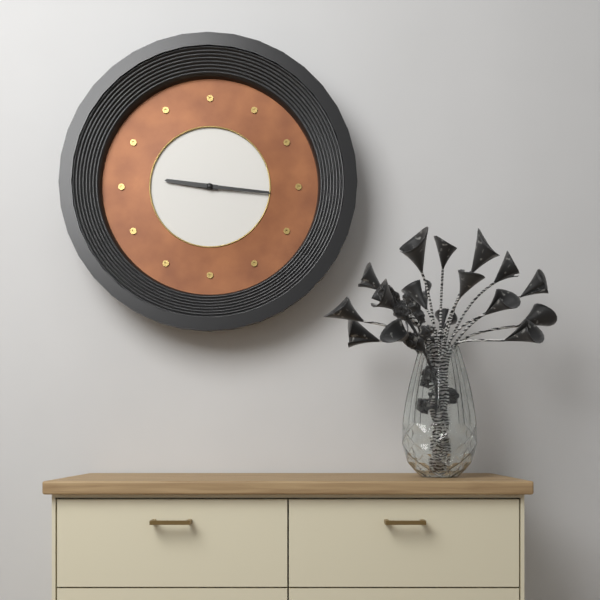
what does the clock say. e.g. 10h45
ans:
9h16
